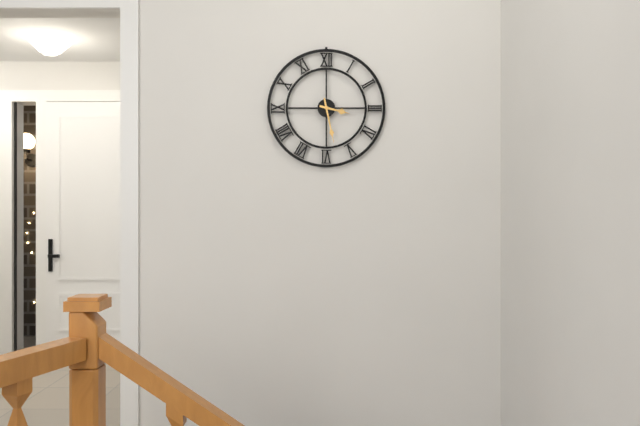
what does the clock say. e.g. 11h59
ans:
3h28
